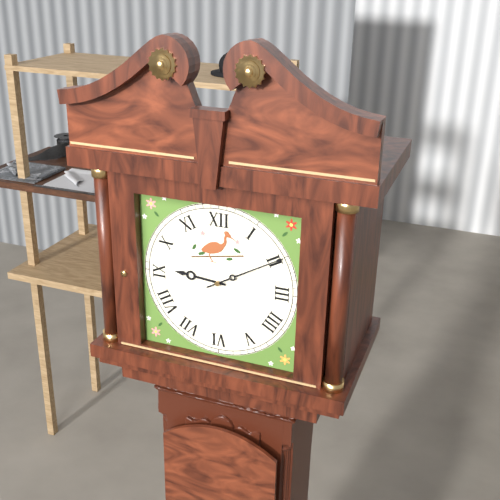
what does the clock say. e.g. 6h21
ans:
9h10
